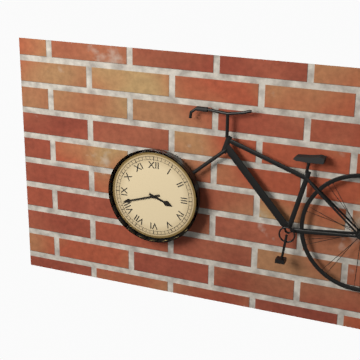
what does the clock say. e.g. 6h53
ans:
3h42
